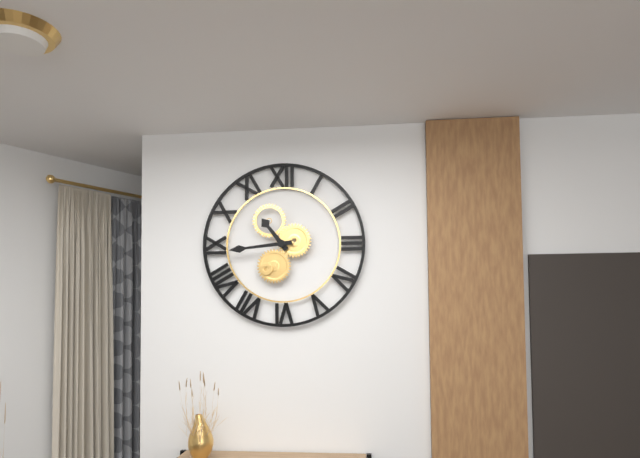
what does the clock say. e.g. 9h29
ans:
10h44
